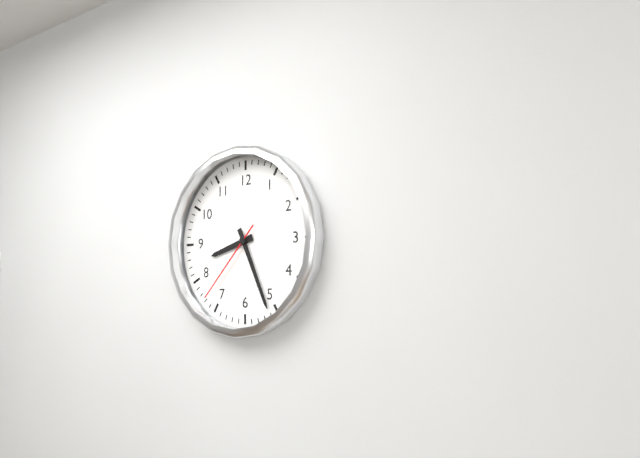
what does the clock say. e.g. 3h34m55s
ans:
8h26m37s
